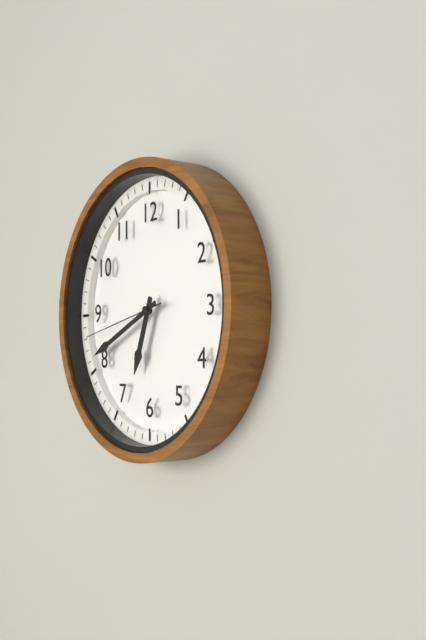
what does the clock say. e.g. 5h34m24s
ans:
6h41m43s
